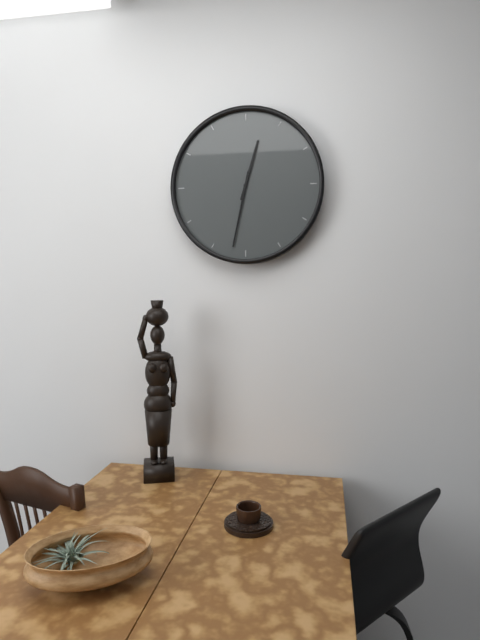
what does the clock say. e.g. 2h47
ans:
12h32
